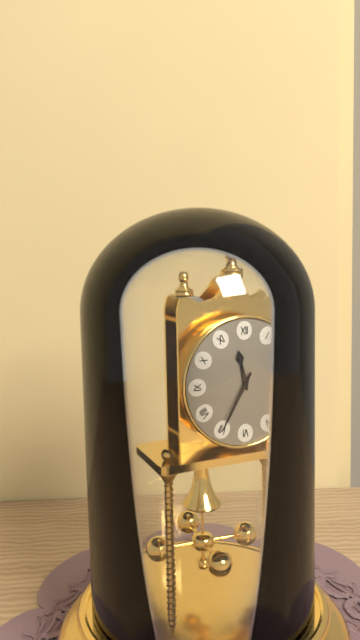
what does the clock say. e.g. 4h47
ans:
11h35
